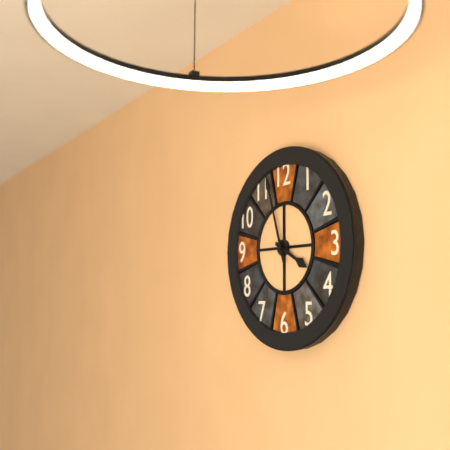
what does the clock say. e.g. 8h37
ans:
3h57
